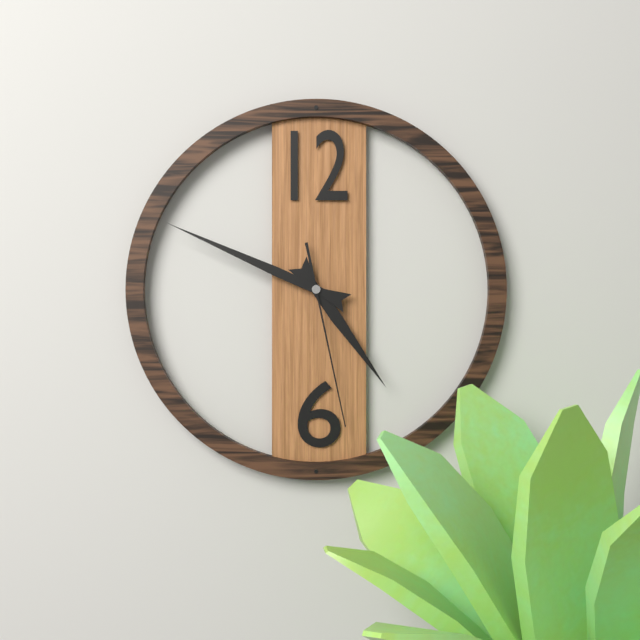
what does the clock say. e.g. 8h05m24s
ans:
4h49m28s
